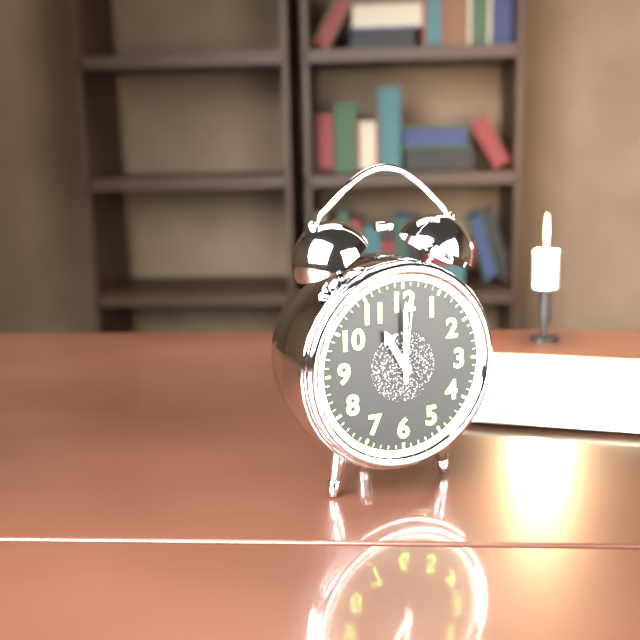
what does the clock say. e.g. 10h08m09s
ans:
11h00m01s
